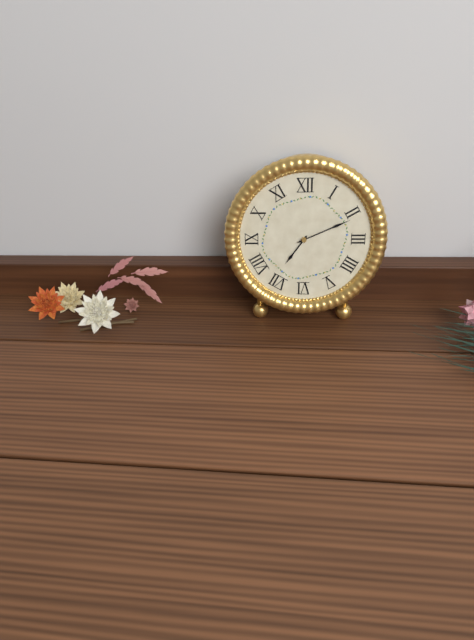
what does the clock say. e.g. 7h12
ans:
7h11
